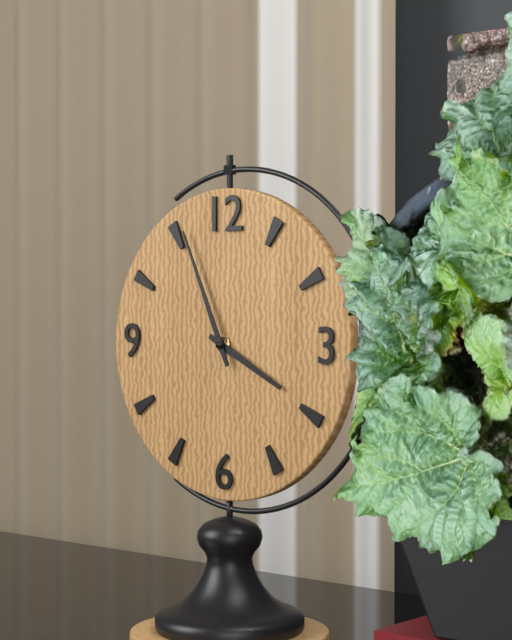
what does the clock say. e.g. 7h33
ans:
3h56
